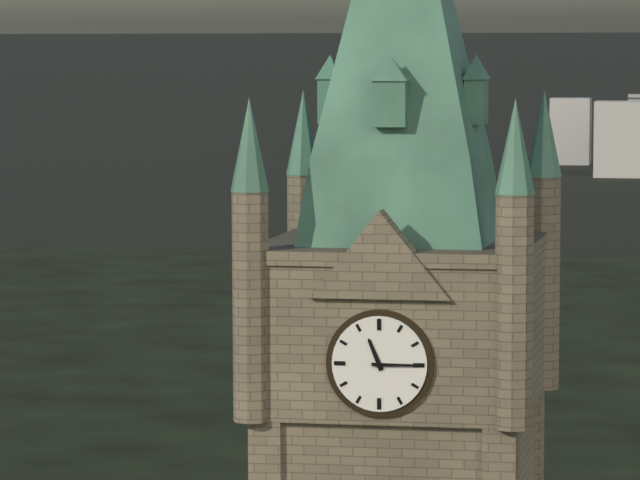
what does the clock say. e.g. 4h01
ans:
11h15
